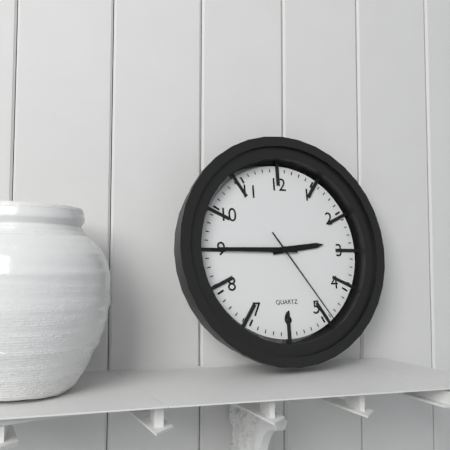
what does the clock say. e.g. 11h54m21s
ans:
2h45m24s
